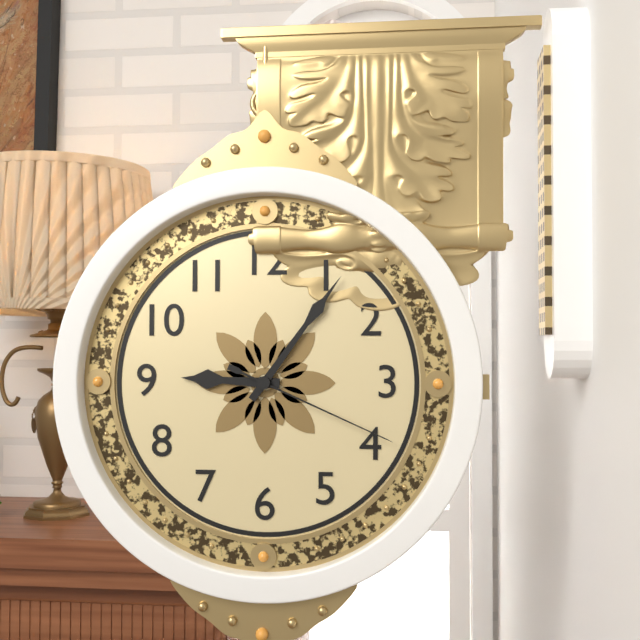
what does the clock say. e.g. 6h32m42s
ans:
9h06m19s
